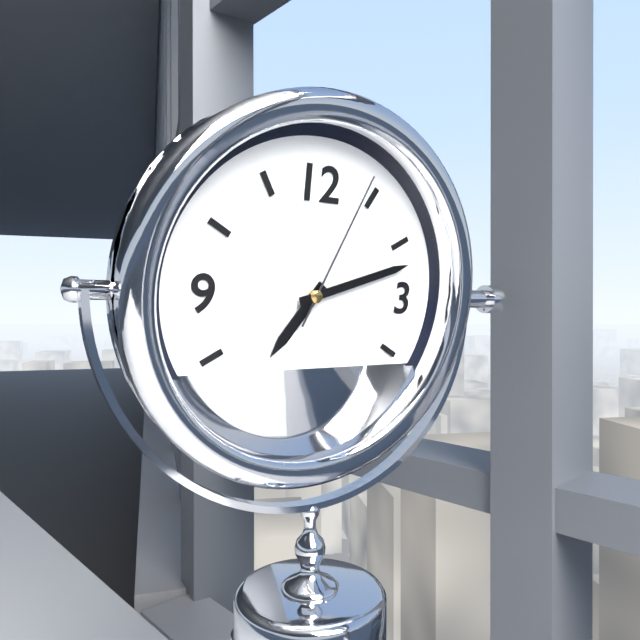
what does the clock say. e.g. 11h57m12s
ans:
7h12m04s
